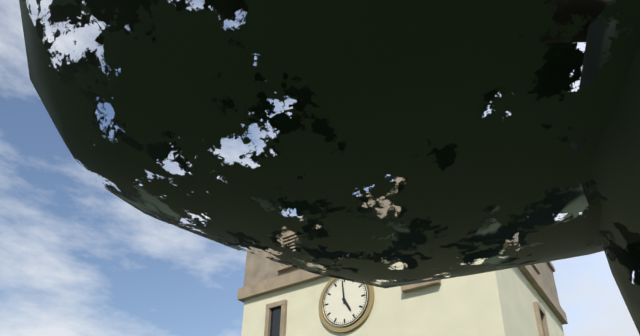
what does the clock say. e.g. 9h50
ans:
4h59
